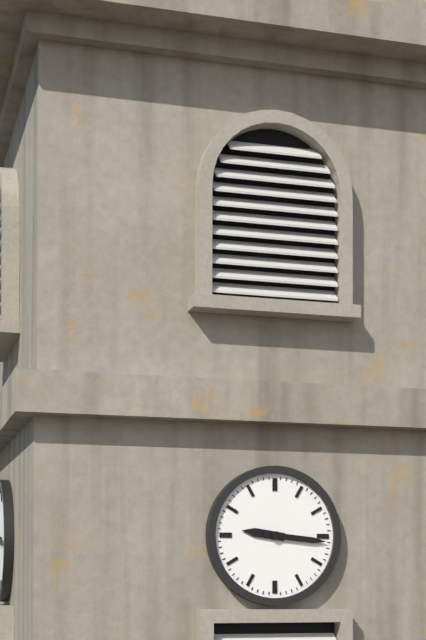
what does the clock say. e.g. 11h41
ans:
9h16
